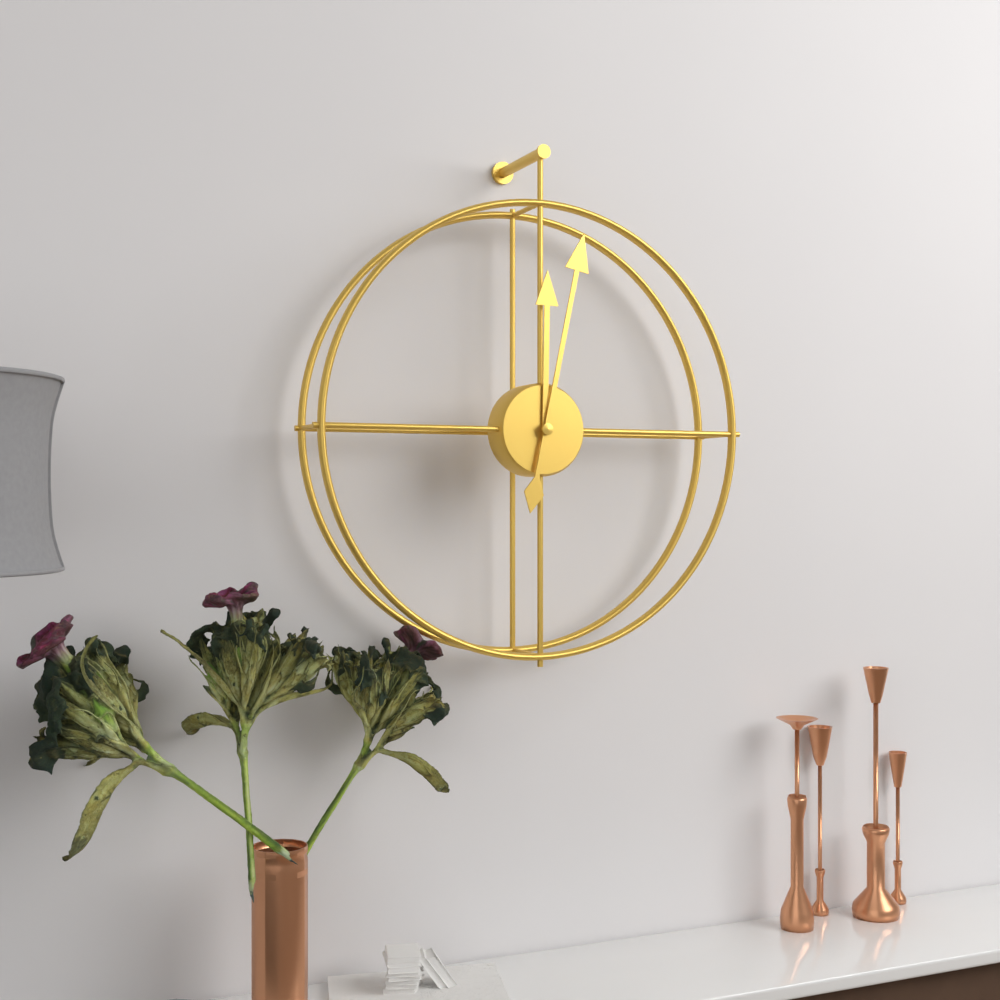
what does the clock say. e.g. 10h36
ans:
12h02
